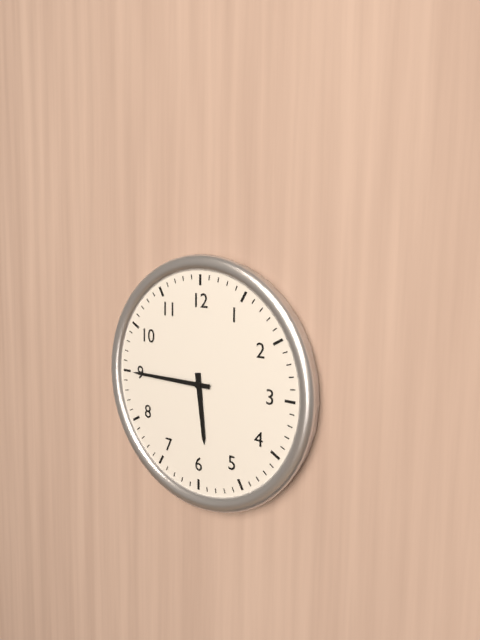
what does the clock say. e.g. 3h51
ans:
5h45
